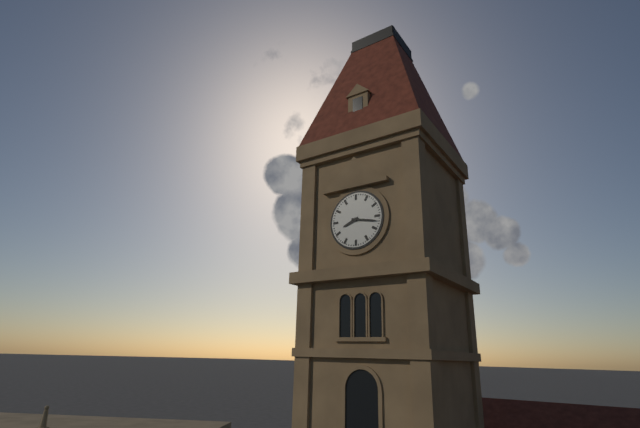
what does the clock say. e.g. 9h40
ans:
8h17
